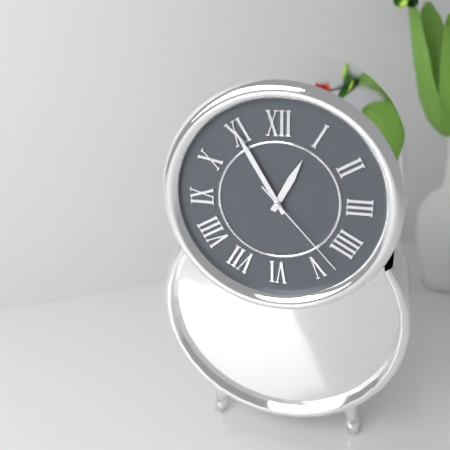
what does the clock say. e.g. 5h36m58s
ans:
12h55m23s
